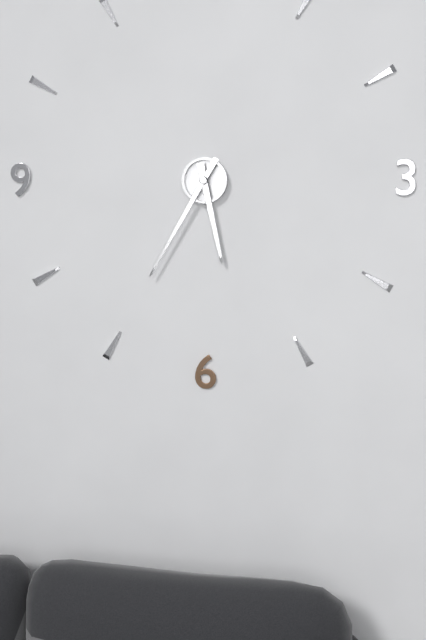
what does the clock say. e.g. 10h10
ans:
5h35
